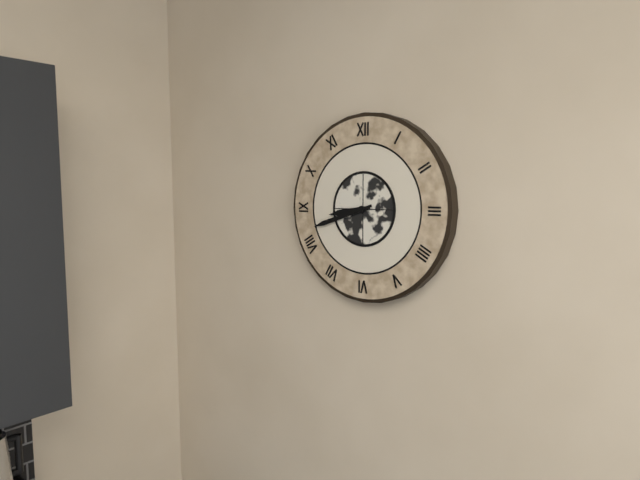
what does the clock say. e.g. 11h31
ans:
8h42
